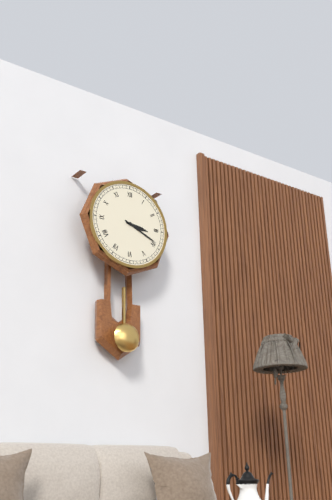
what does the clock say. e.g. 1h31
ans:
3h19
